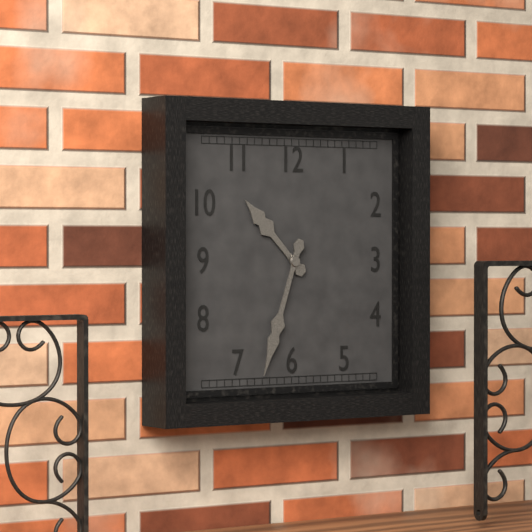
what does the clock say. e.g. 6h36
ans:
10h33
